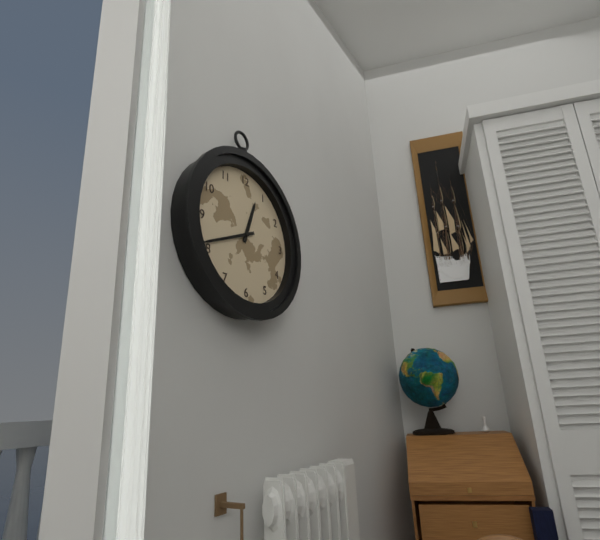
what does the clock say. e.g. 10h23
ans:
12h41
